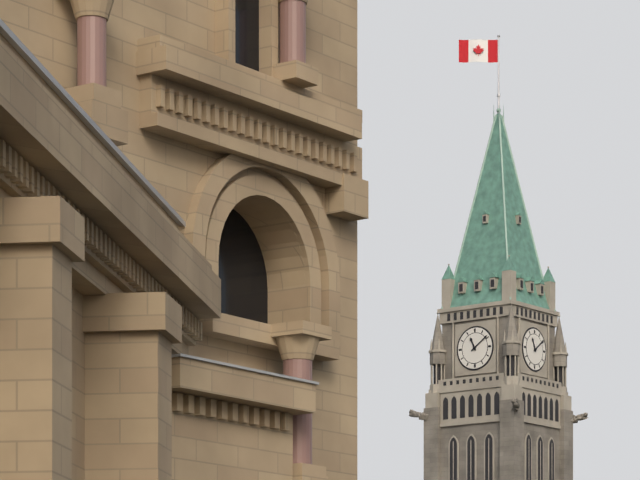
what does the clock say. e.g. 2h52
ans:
11h09
